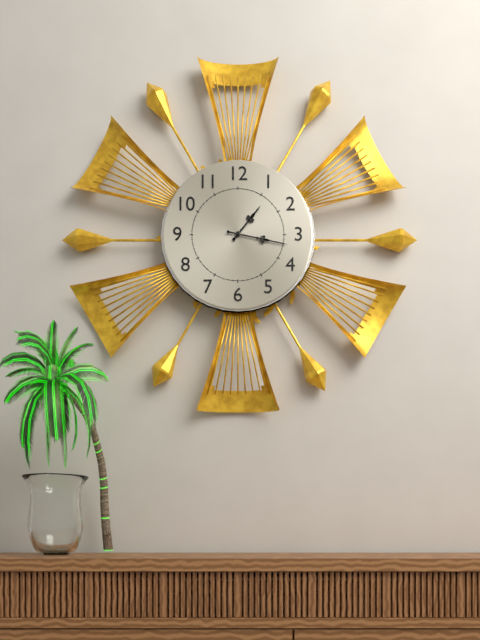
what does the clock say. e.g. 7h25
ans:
1h17
